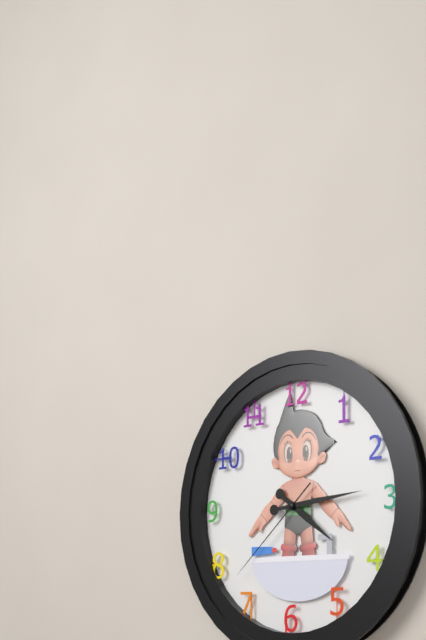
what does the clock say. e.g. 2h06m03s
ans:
4h14m38s
